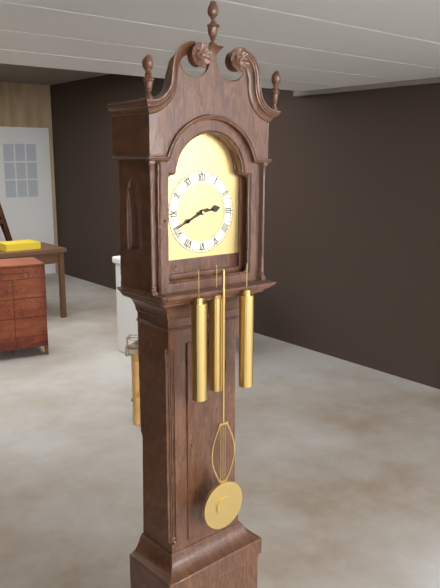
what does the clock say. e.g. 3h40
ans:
2h41
